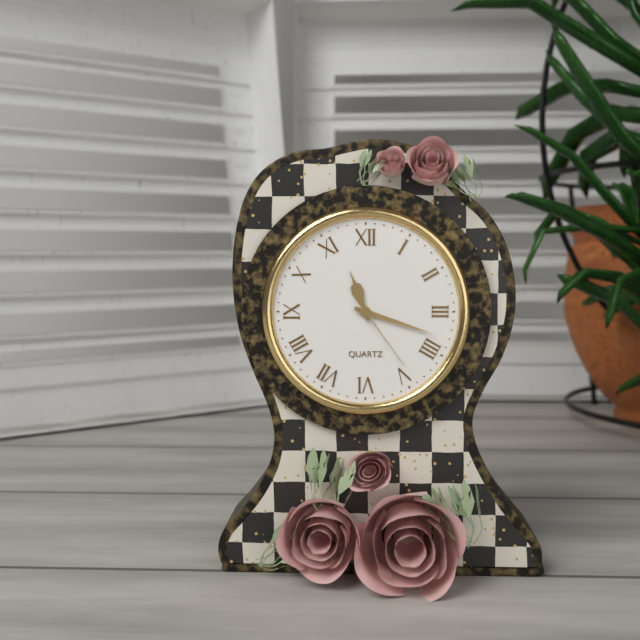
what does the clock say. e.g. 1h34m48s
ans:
11h18m24s
